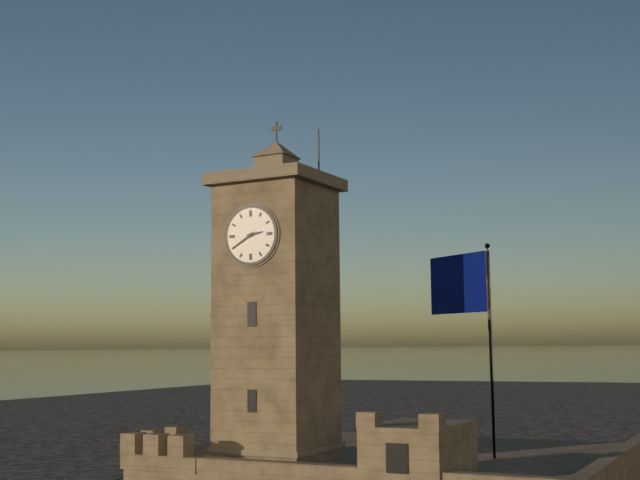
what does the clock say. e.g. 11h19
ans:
2h40
